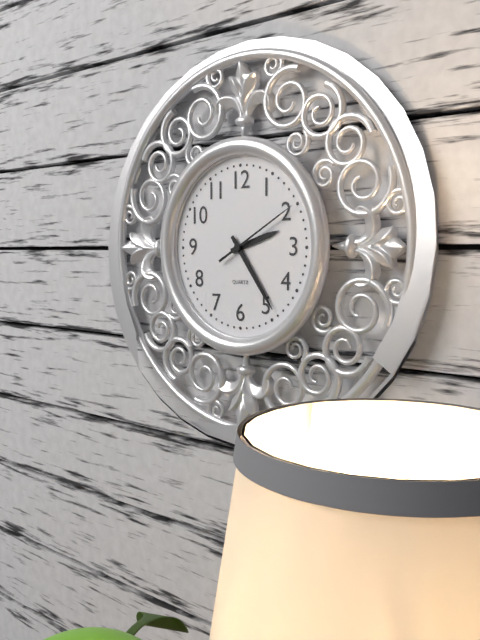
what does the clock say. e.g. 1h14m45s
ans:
2h24m10s
